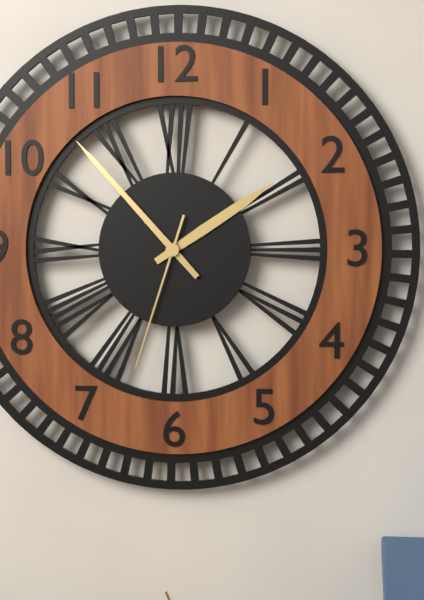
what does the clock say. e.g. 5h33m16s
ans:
1h53m33s
